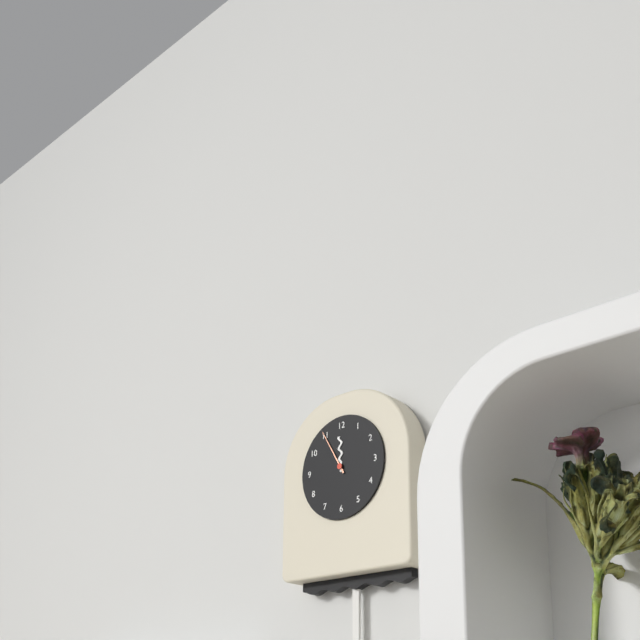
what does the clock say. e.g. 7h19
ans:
11h55
